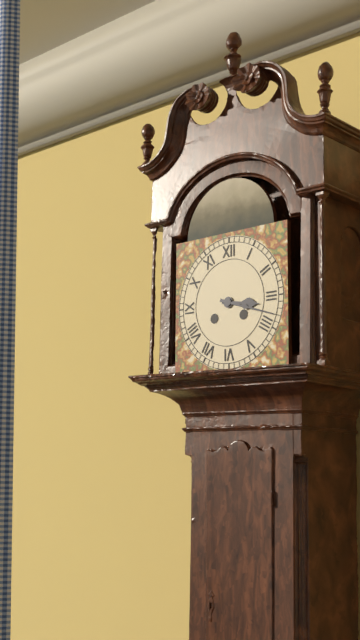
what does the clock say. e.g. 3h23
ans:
3h18
